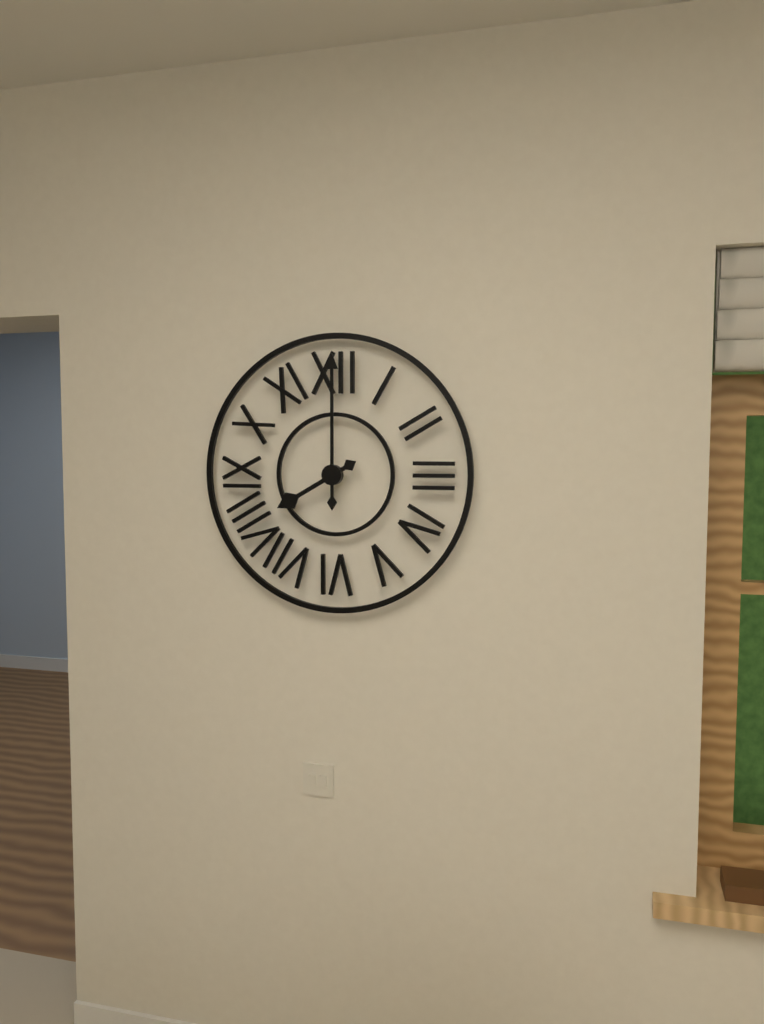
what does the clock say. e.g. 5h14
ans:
8h00
